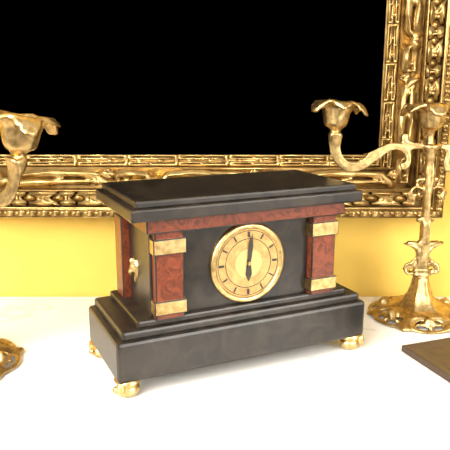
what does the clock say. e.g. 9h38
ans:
6h01
